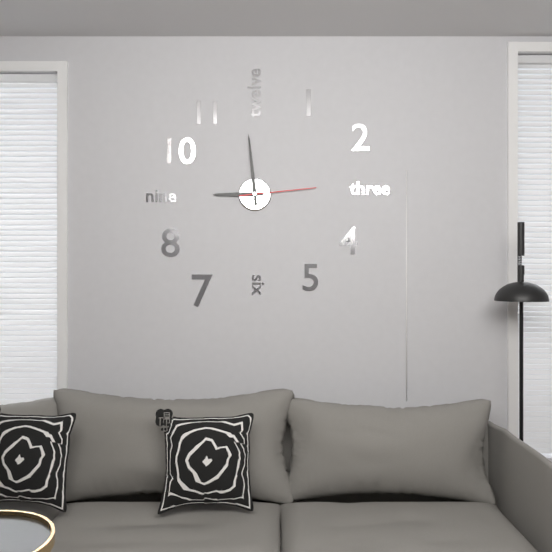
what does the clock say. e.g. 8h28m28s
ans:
8h59m14s
